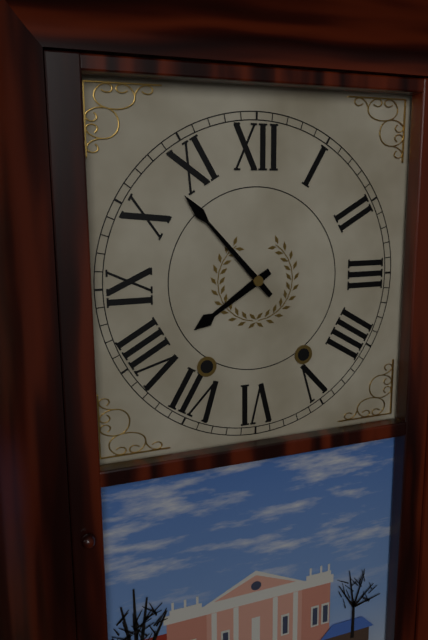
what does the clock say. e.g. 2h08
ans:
7h53
